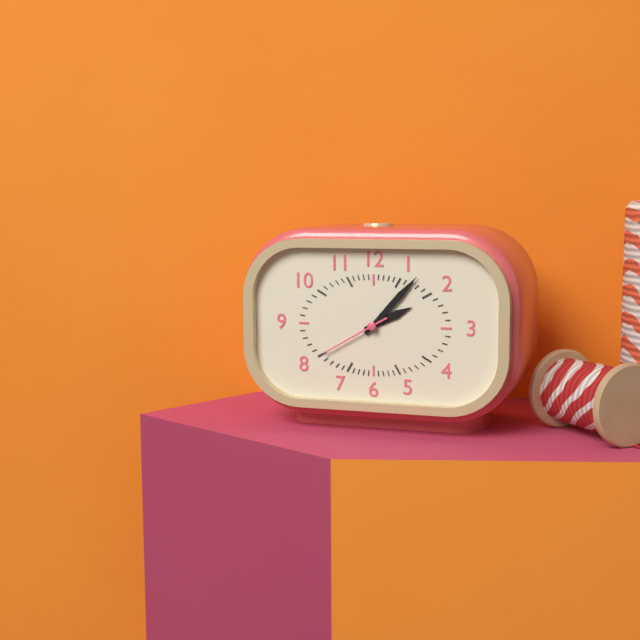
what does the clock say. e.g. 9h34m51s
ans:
2h07m40s
